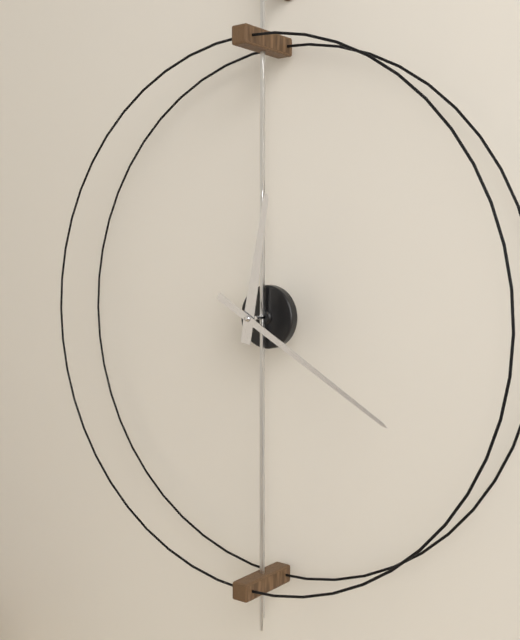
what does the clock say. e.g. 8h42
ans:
12h20
